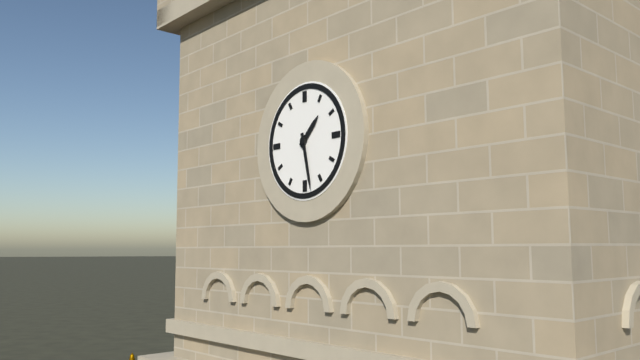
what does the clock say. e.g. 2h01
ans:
1h28
